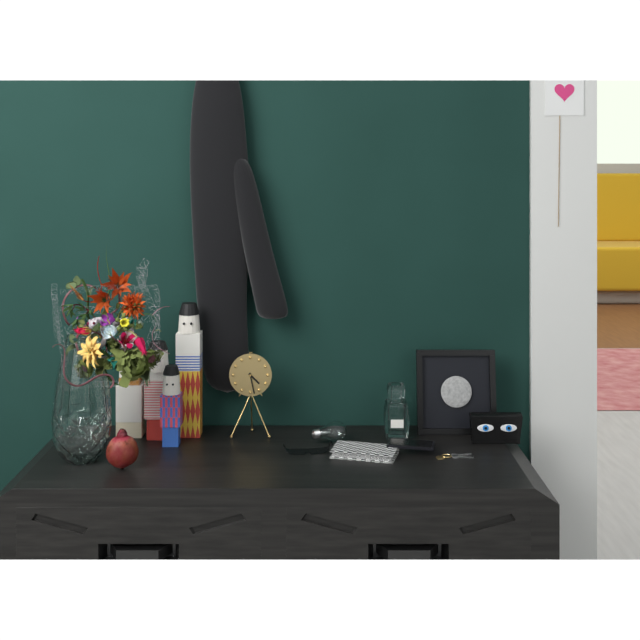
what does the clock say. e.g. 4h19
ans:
4h28
